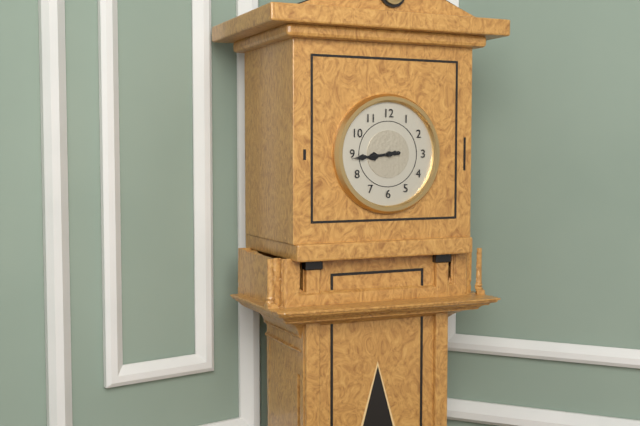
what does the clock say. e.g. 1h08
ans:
8h44
